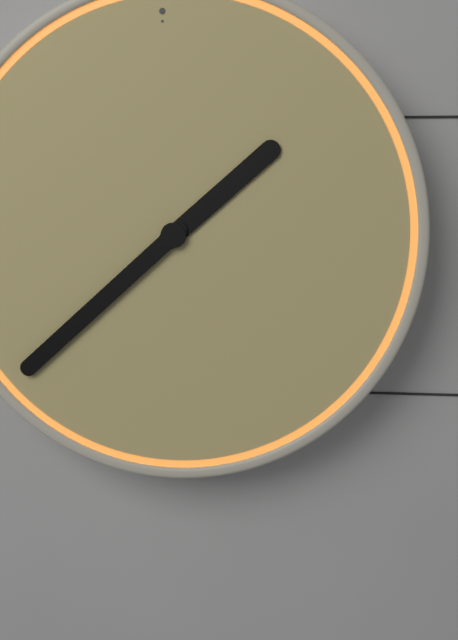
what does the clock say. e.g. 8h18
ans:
1h38
